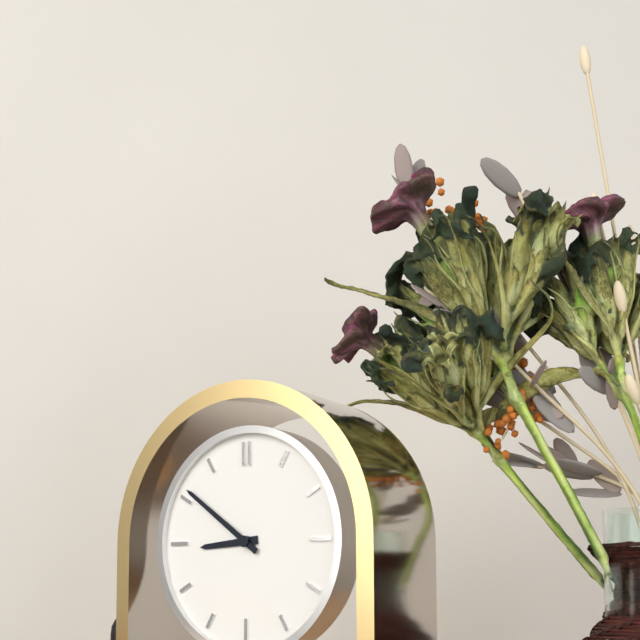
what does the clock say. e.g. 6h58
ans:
8h51
